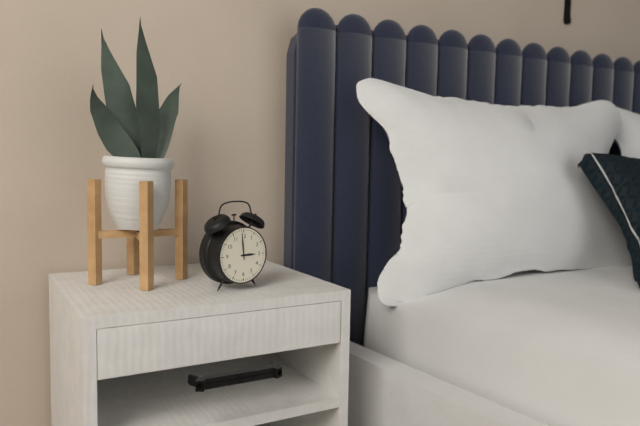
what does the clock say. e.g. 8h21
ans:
2h59
